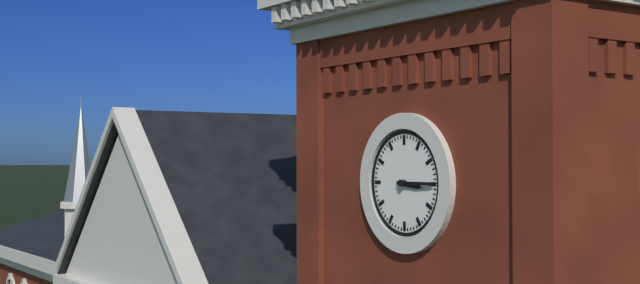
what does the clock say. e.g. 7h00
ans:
3h15
